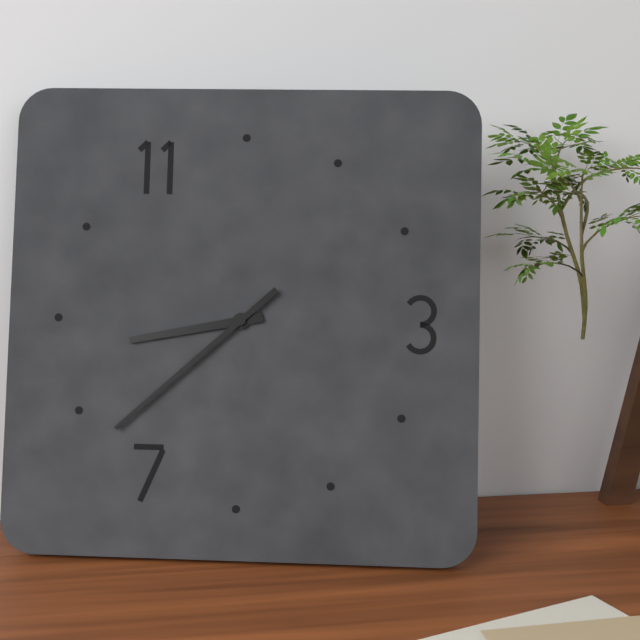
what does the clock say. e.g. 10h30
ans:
8h38
